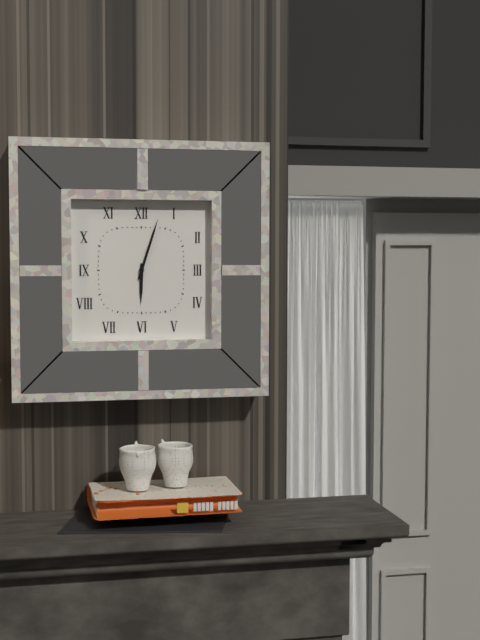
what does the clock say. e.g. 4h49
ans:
6h03
